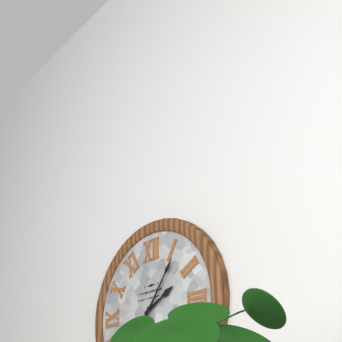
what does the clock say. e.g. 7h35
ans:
2h06
